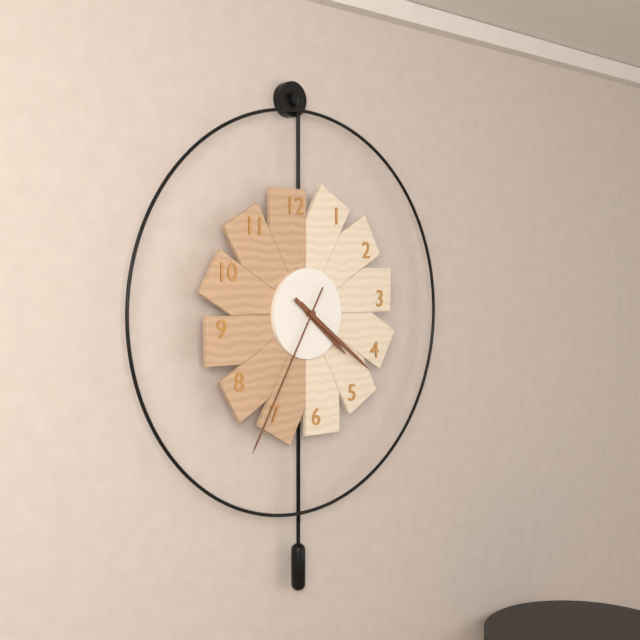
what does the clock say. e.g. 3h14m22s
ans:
4h21m35s
